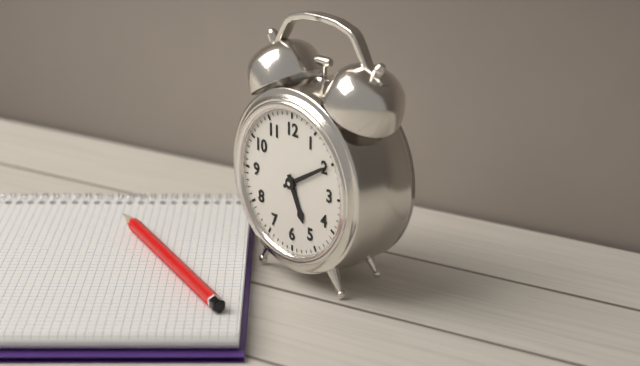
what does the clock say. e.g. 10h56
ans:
5h10
